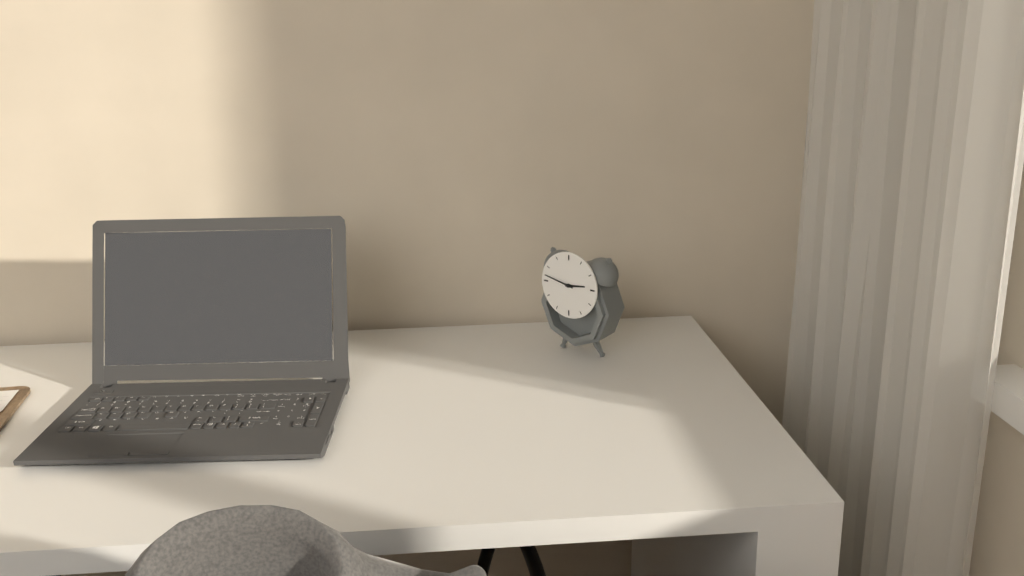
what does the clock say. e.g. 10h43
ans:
2h47
